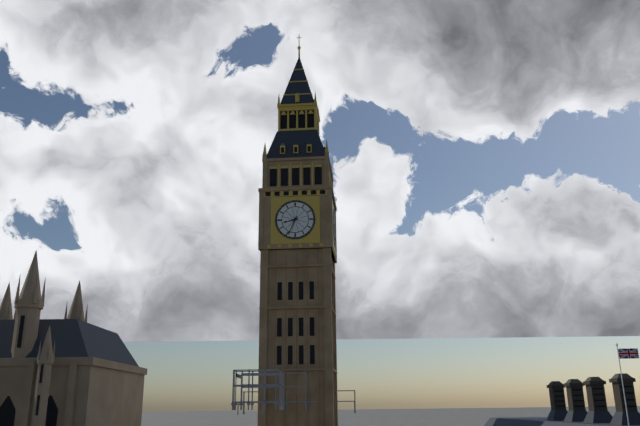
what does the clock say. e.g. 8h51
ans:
8h34
